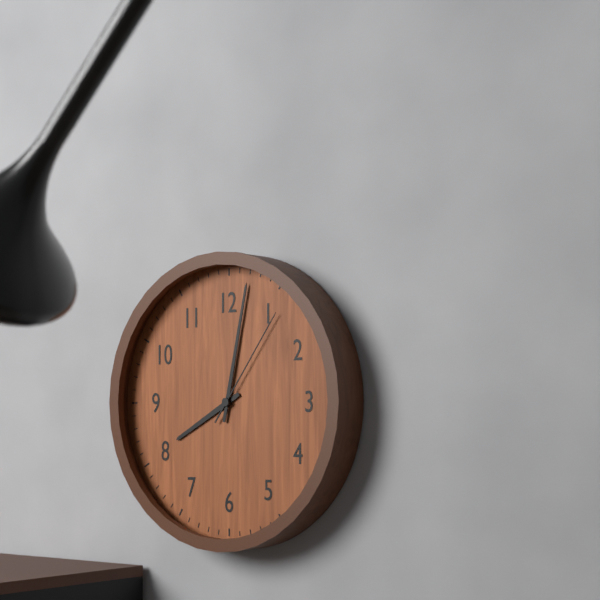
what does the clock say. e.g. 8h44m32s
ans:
8h02m06s
